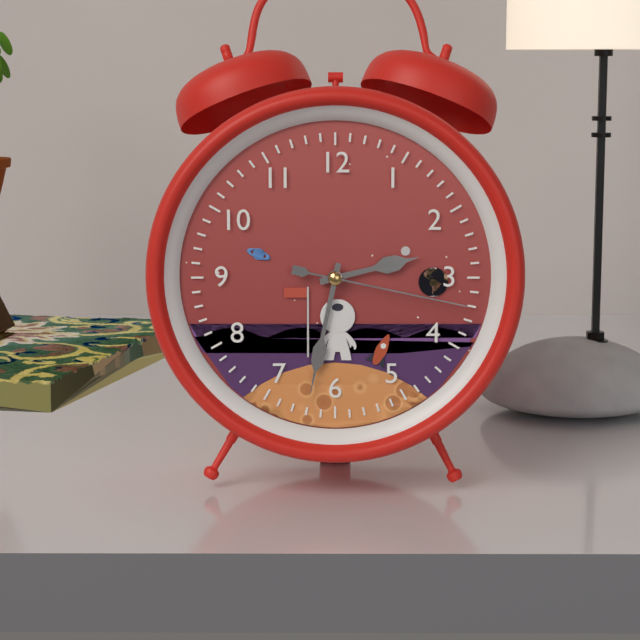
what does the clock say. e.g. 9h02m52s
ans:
2h32m17s
